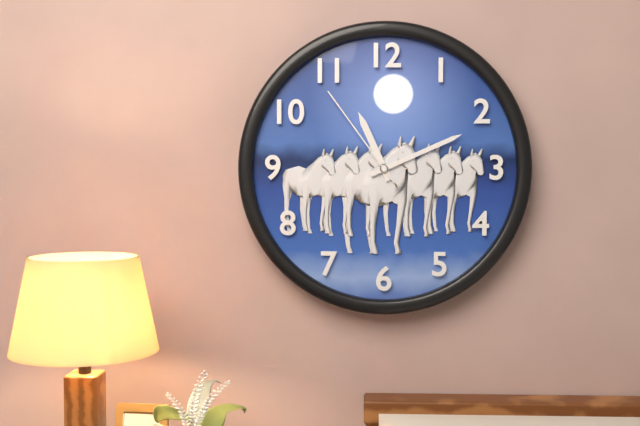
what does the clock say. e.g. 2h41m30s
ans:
11h11m54s
